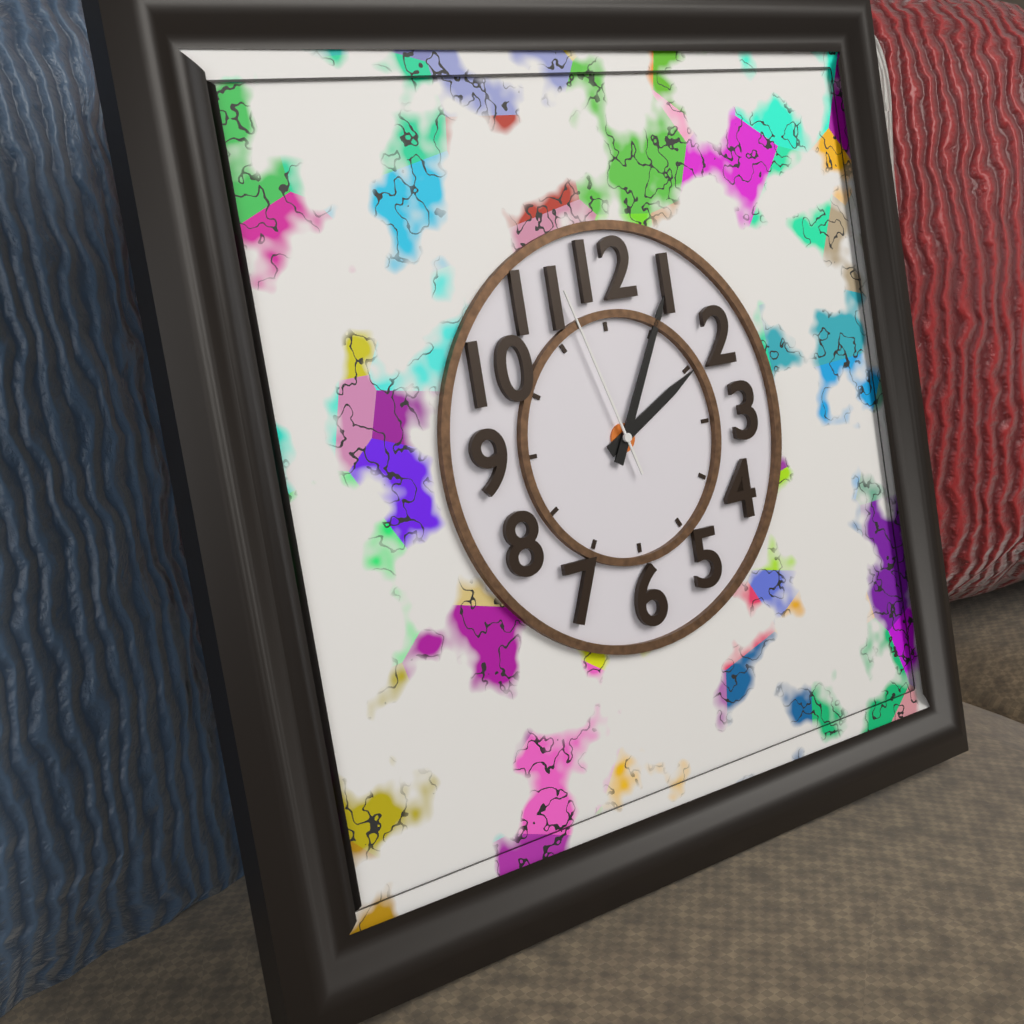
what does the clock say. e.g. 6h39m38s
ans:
2h05m57s
